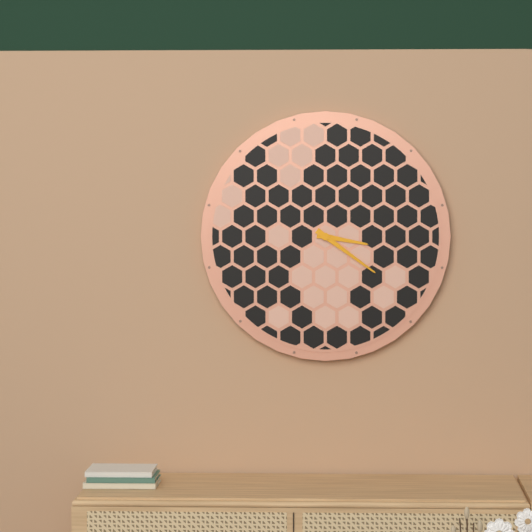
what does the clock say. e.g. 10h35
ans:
3h21
